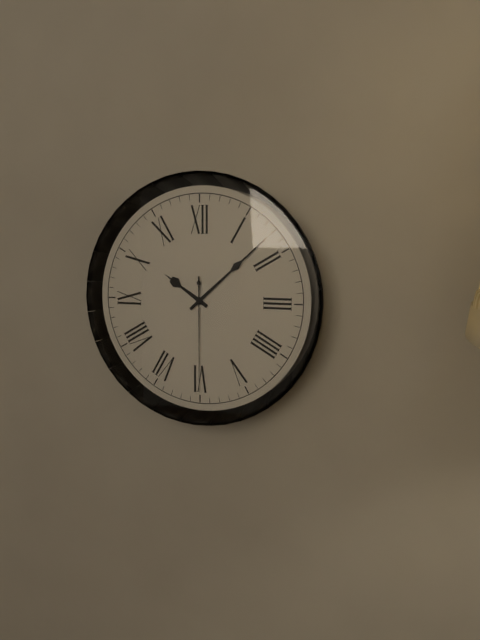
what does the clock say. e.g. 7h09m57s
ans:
10h08m30s
